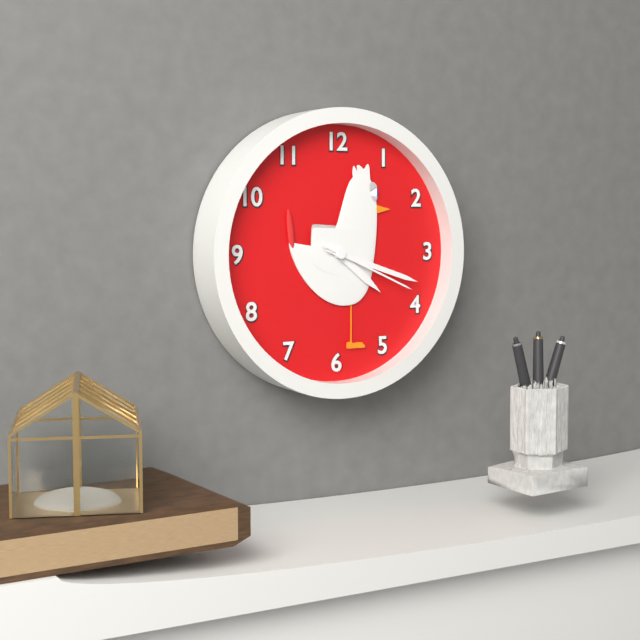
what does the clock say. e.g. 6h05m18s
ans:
4h18m19s
